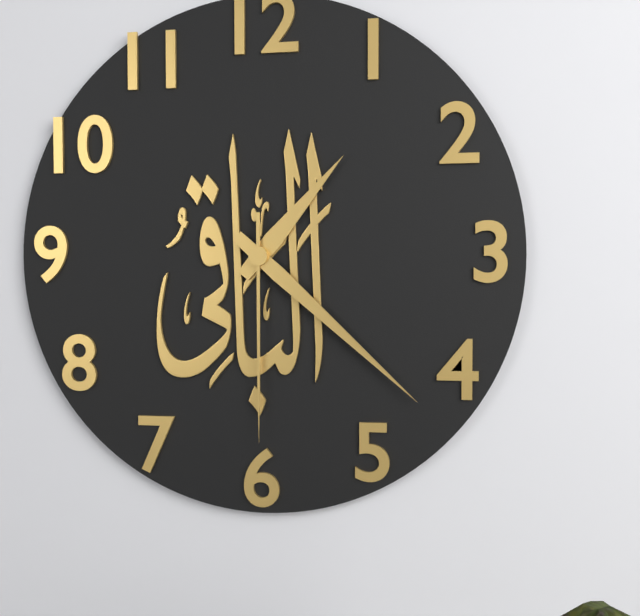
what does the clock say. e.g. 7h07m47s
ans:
1h22m30s
